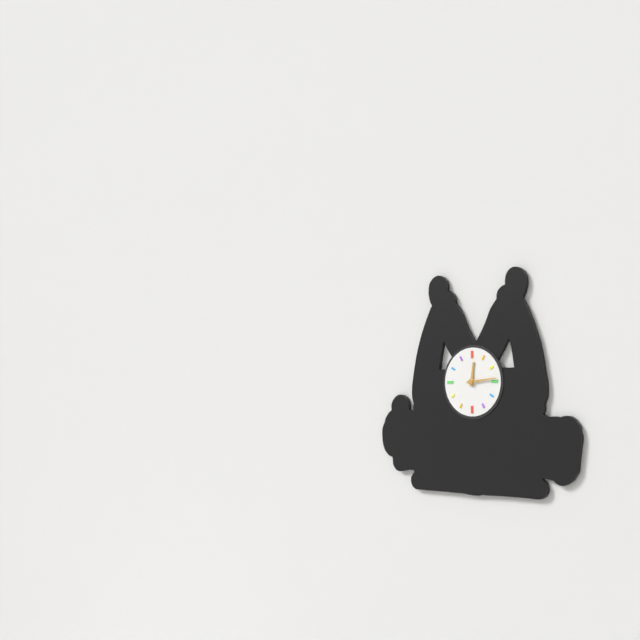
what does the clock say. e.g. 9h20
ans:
12h14
